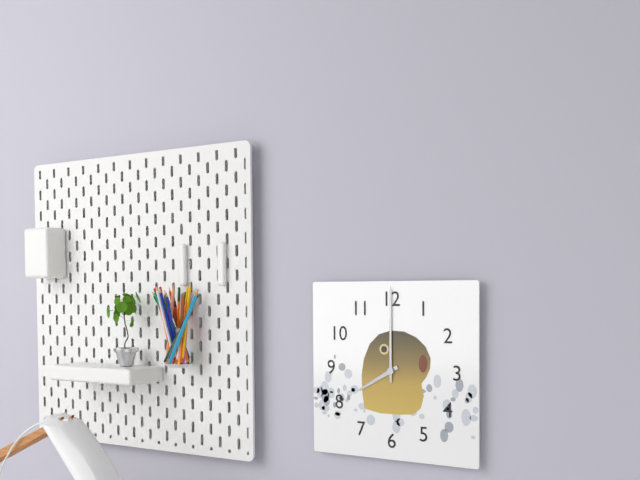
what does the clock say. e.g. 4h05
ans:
8h00
